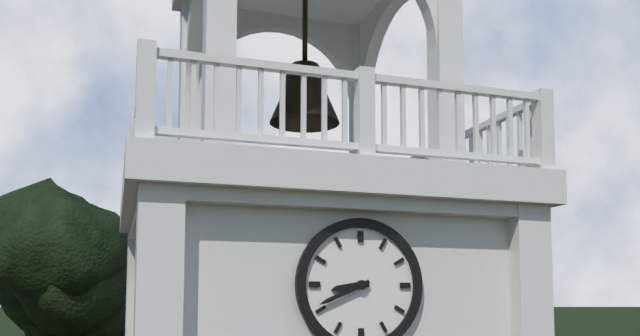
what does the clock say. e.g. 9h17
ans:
8h41
